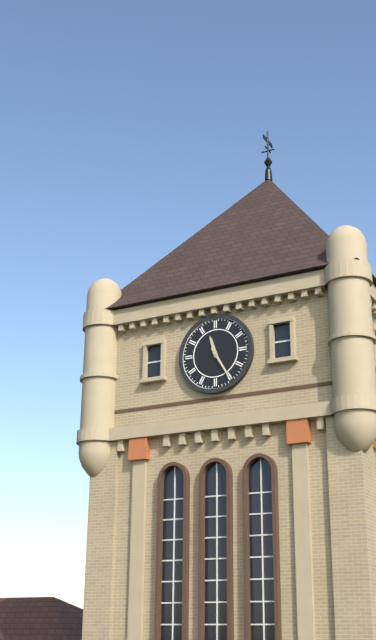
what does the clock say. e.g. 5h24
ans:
11h25
